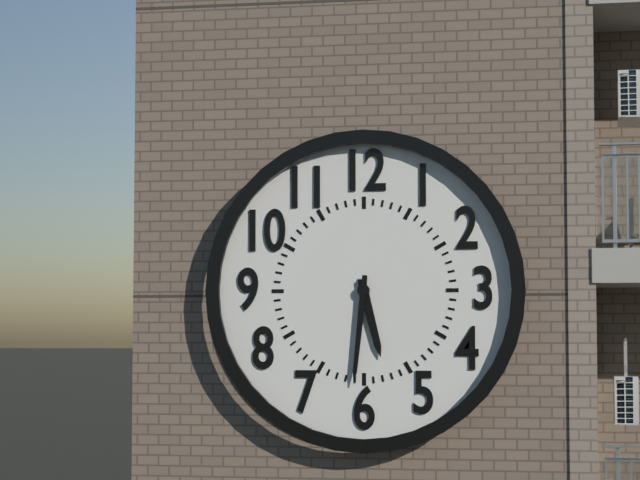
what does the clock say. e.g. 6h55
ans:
5h31
